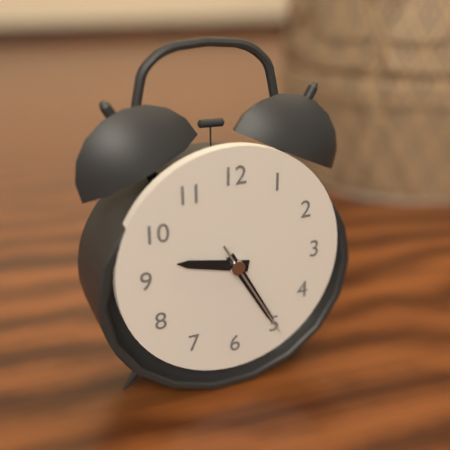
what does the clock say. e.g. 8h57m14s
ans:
9h25m25s
